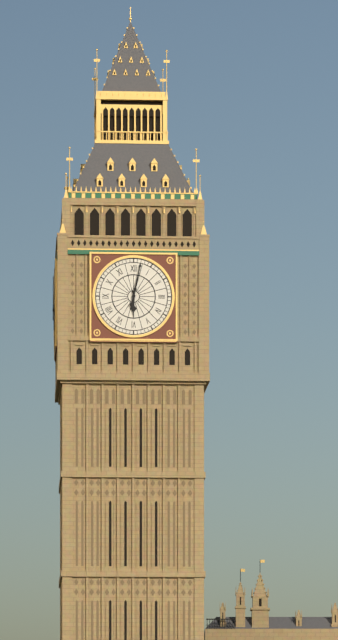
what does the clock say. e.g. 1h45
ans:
6h02
